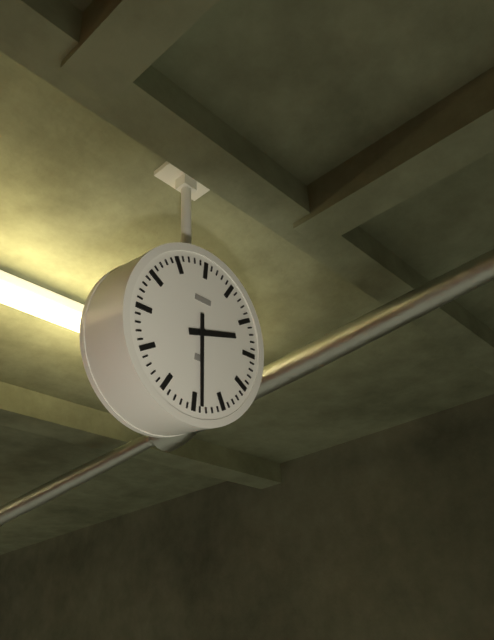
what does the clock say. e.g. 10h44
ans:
2h29
